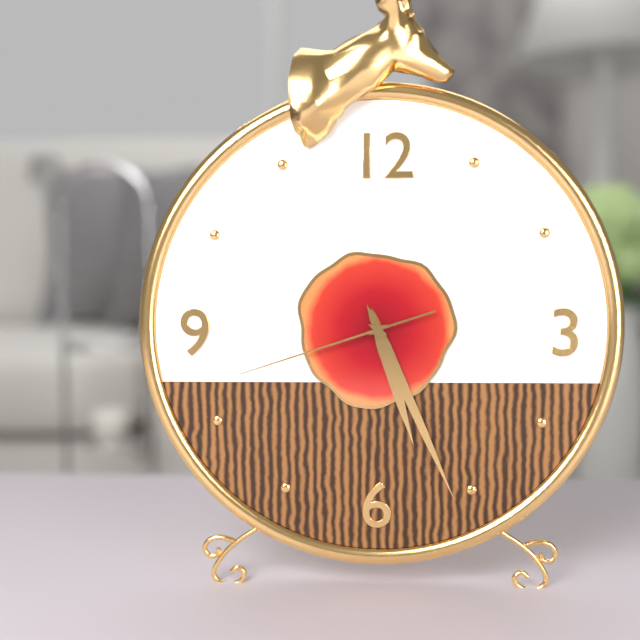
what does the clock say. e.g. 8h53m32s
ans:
5h26m42s
